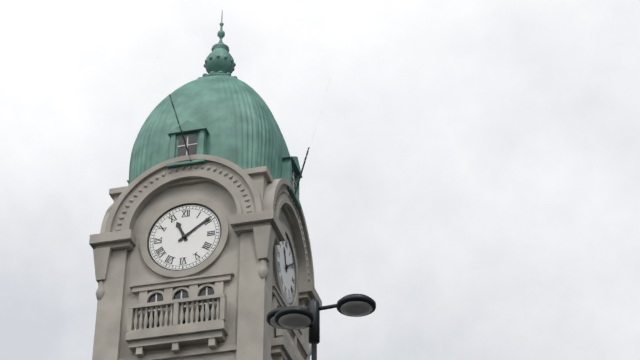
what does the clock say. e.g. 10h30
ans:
11h09
